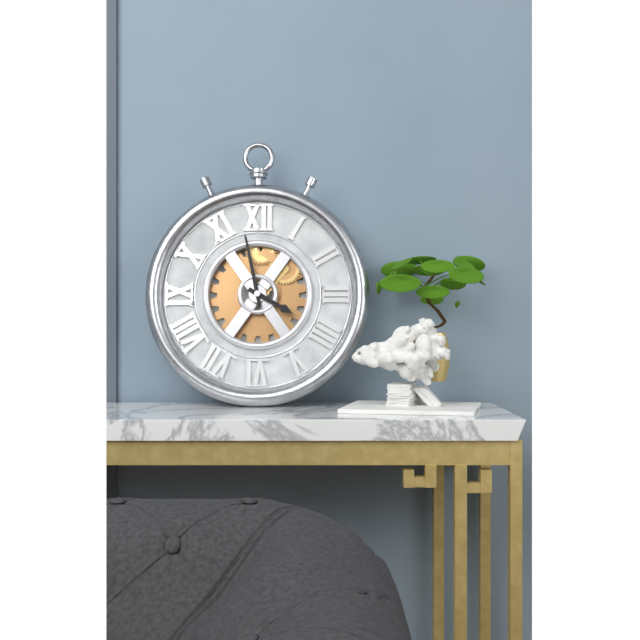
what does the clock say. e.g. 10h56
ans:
3h58
